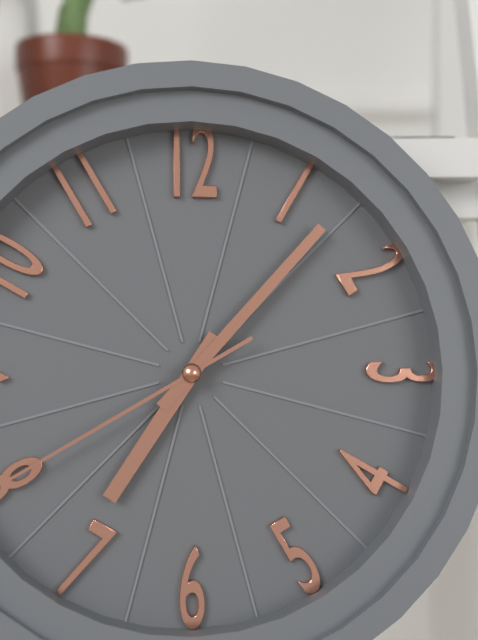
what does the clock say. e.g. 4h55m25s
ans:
7h07m40s
